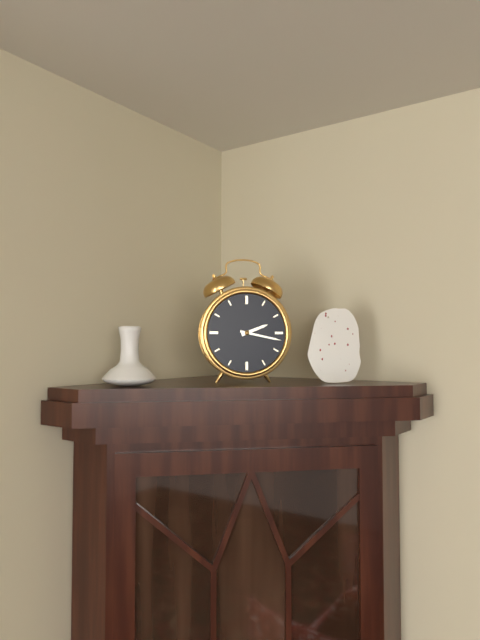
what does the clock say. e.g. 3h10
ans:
2h17
